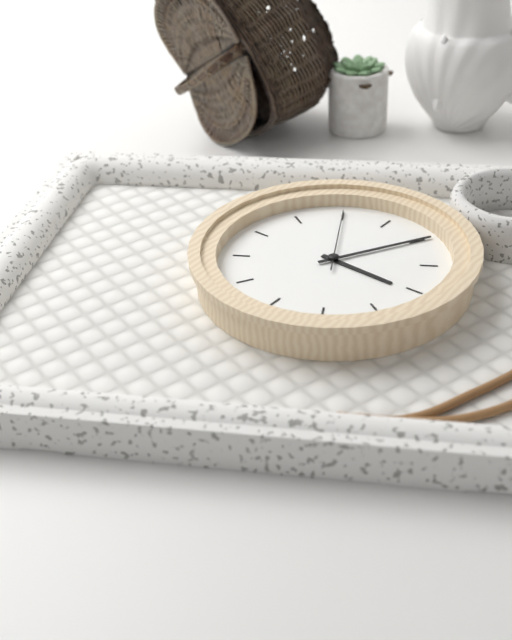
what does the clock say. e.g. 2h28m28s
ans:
3h05m55s
